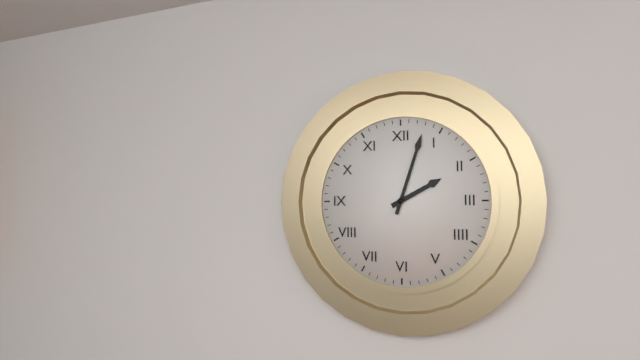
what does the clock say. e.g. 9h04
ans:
2h03
